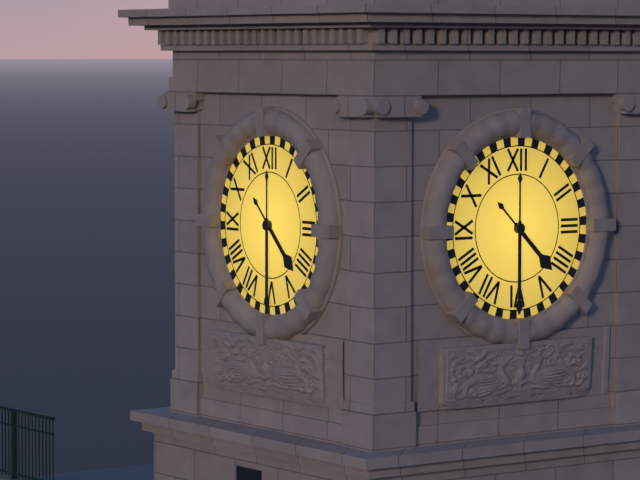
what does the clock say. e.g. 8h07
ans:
4h30
